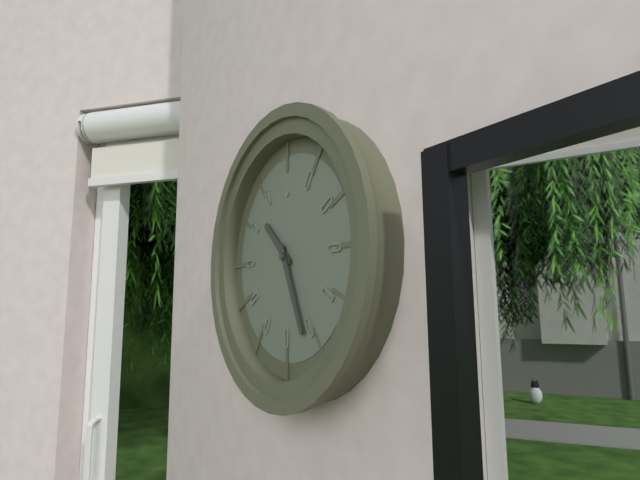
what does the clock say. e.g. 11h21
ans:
10h26
